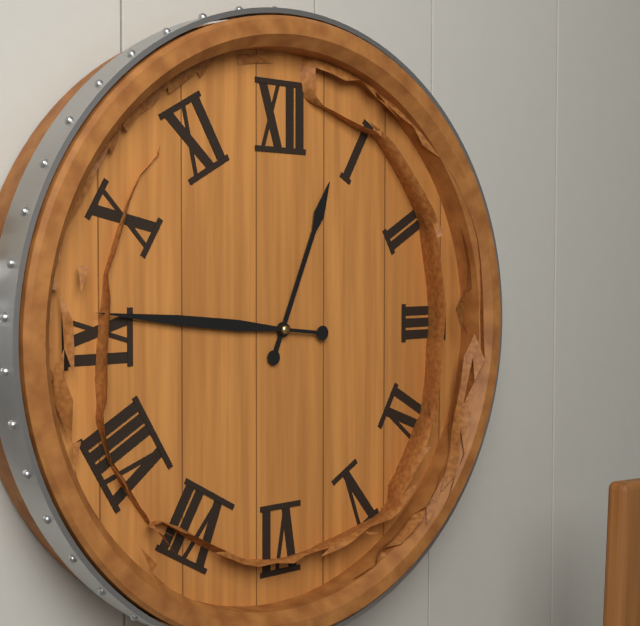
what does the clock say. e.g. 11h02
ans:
12h46
